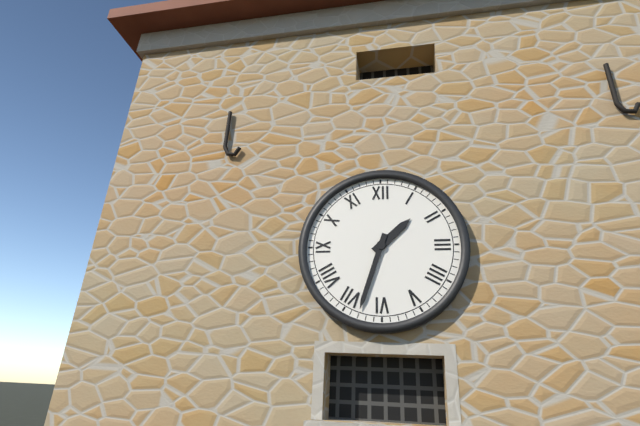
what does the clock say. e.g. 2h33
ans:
1h33
